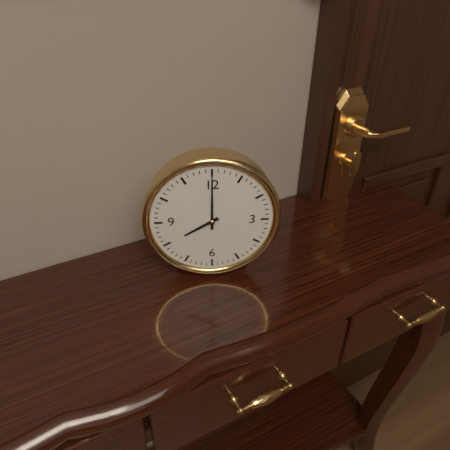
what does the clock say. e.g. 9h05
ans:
8h00
